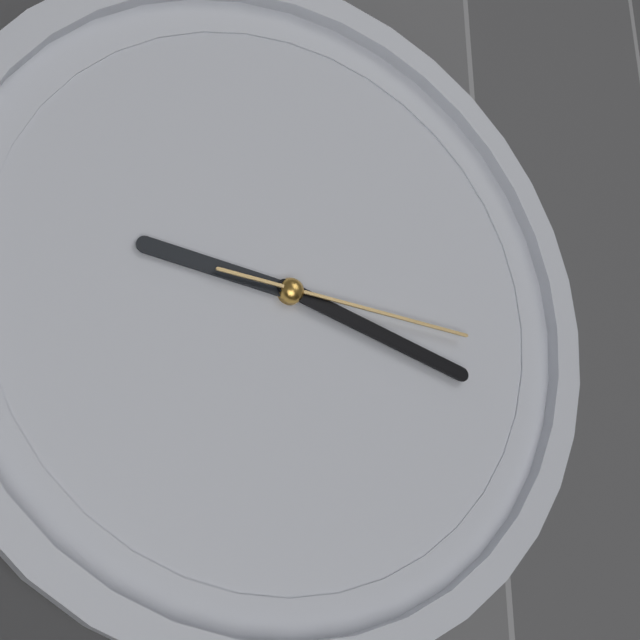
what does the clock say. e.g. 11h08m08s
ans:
9h18m16s
